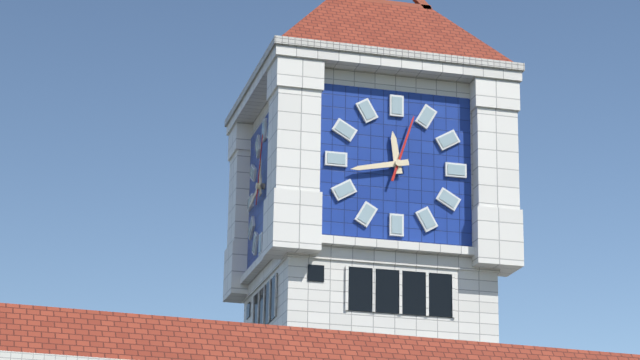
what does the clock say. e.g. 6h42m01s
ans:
11h43m03s
